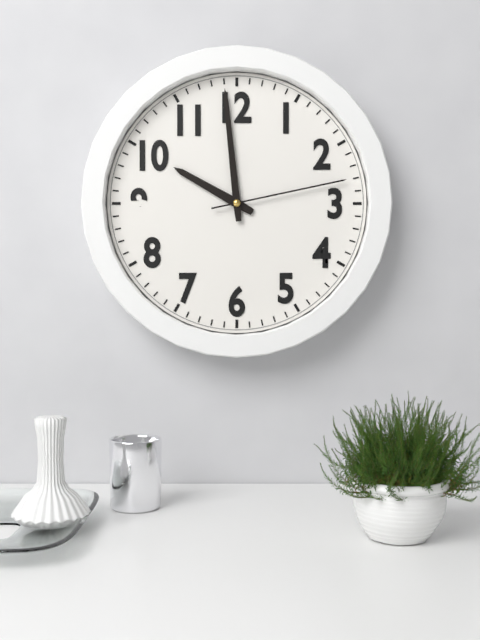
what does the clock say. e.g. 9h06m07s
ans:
9h59m13s
